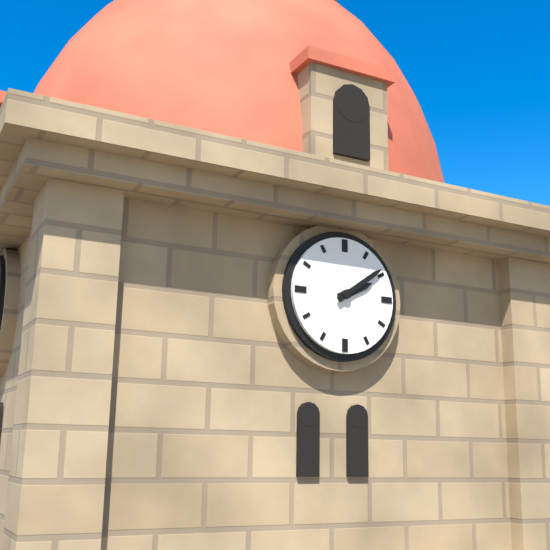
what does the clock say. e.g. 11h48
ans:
2h09
